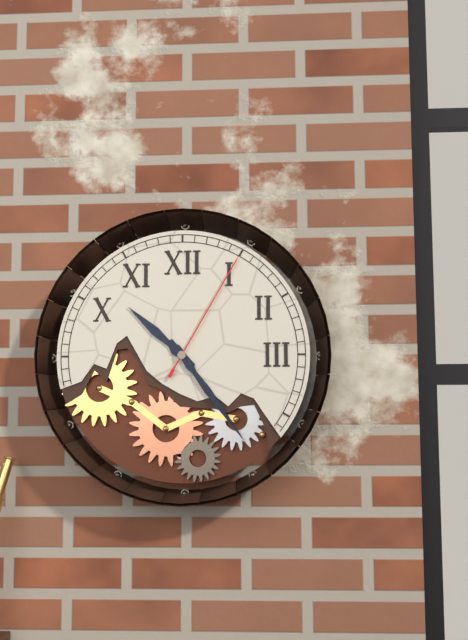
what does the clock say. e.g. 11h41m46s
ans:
10h24m05s
